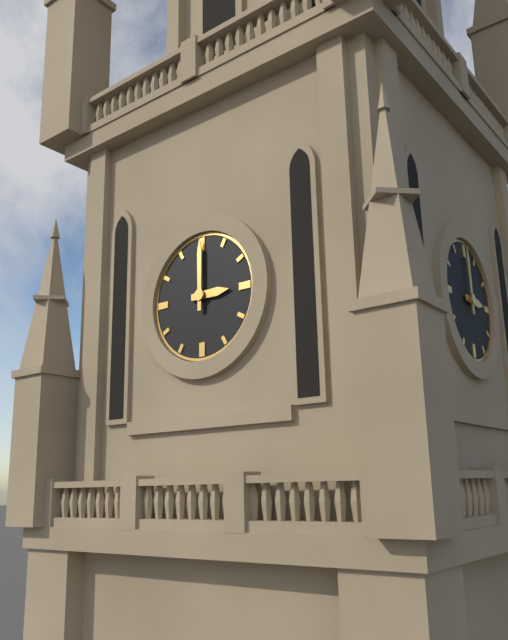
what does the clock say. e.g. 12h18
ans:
3h00
